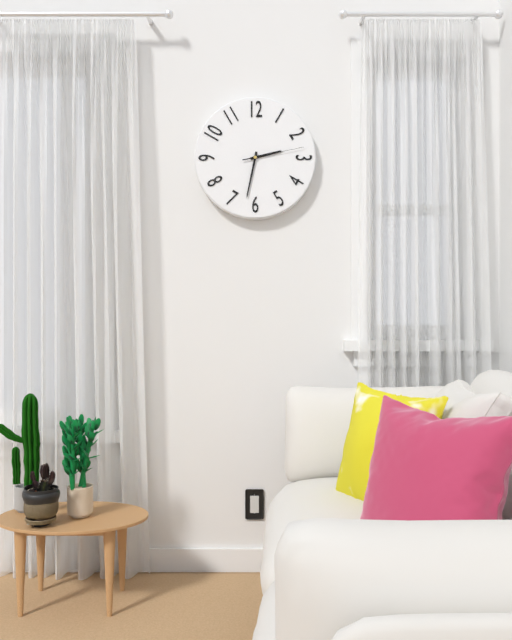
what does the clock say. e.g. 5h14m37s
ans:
2h32m13s
